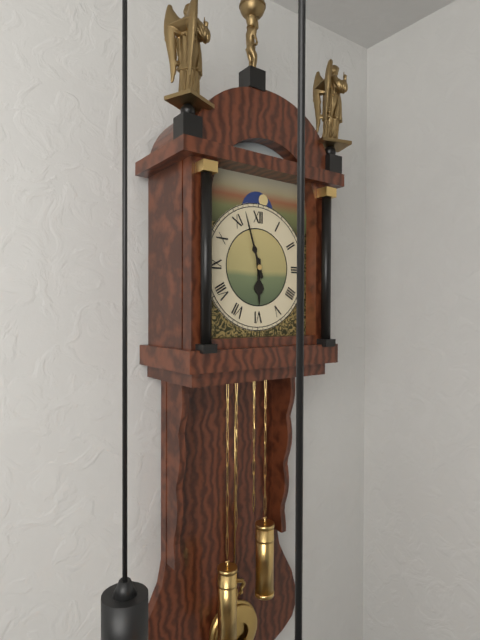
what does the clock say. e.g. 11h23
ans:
5h57
